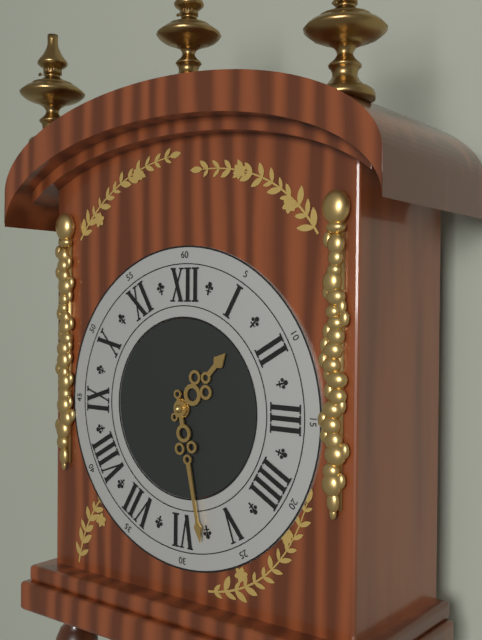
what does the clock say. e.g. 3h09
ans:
1h28
